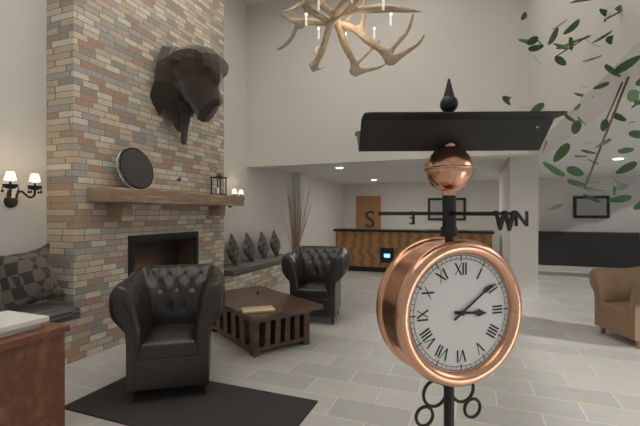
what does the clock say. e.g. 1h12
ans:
3h09
